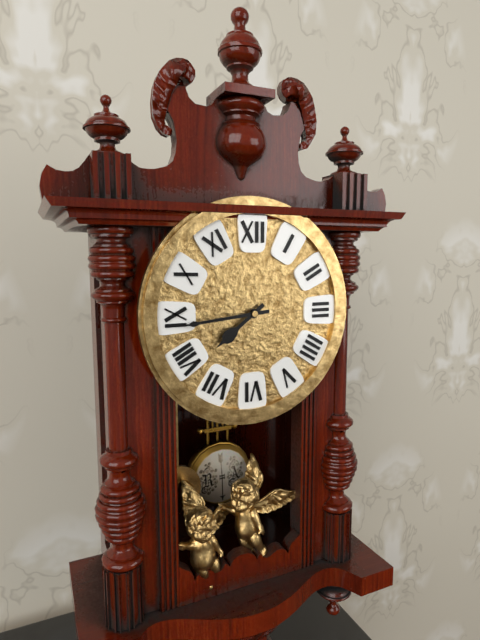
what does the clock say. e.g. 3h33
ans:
7h44
